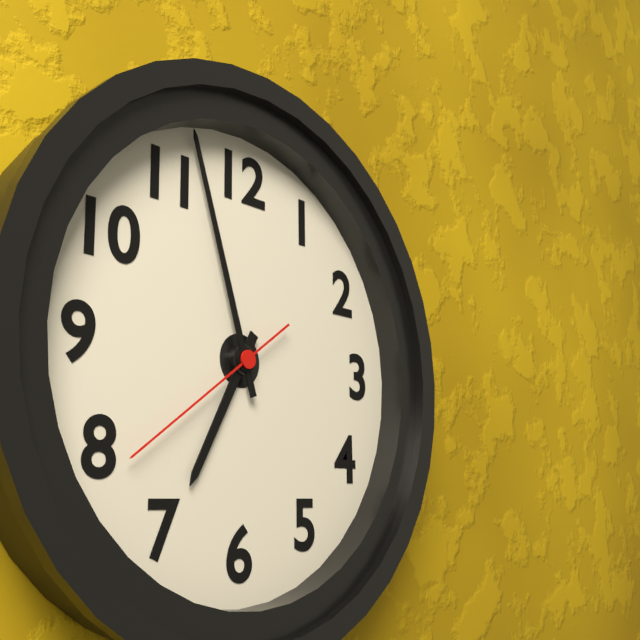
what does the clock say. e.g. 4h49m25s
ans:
6h57m39s
